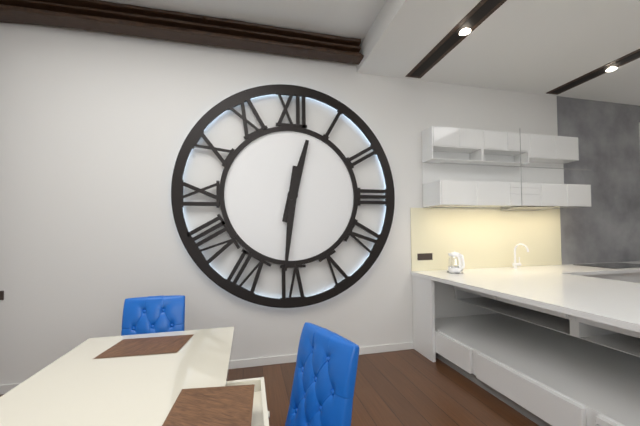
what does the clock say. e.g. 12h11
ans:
12h31
